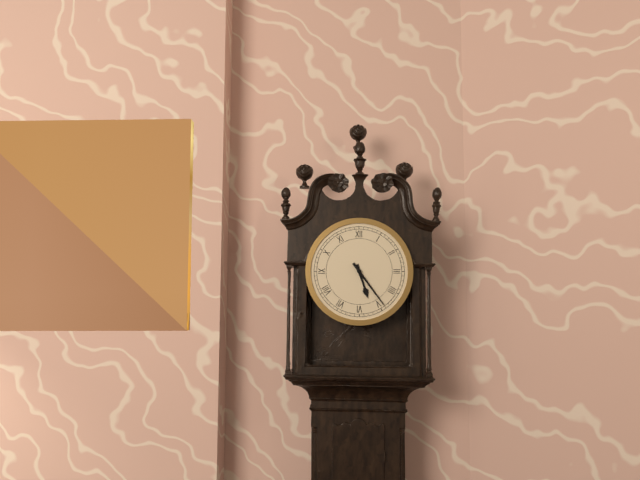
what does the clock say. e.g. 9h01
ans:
5h24
